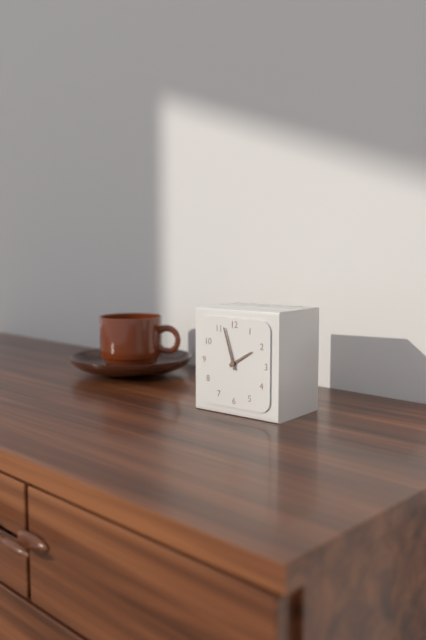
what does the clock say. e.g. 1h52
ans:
1h57
